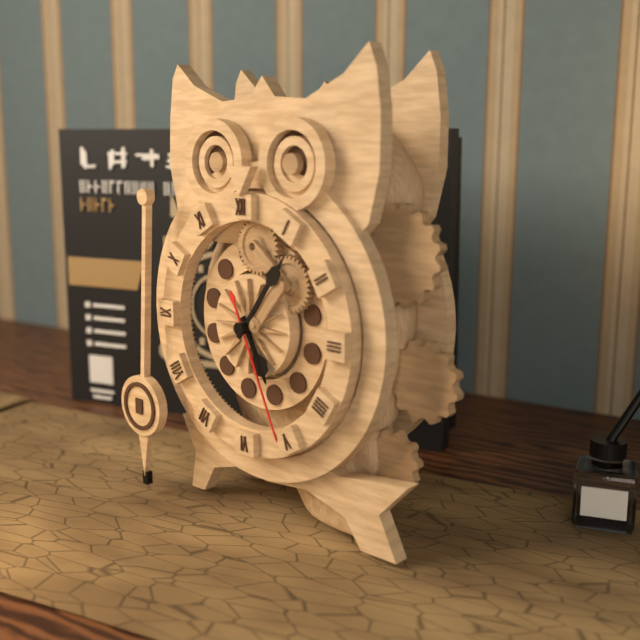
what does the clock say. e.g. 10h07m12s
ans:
5h06m26s
